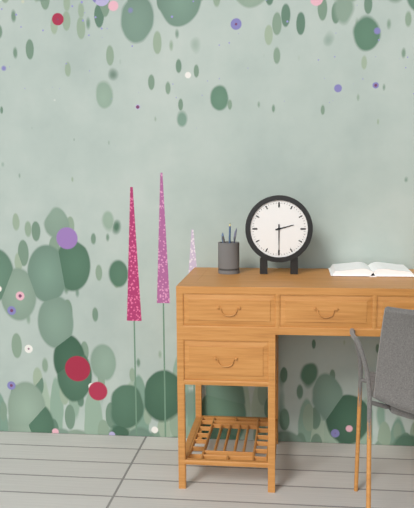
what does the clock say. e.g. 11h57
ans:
2h30
